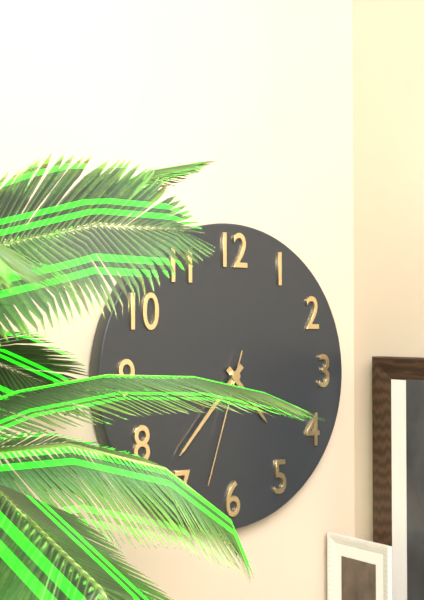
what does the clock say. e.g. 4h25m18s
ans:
4h37m33s
